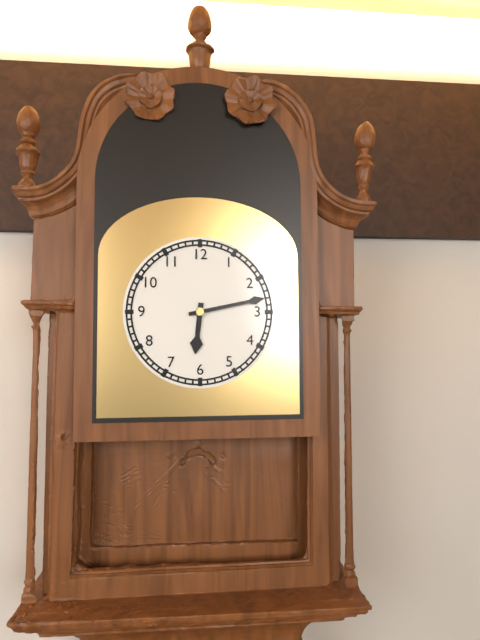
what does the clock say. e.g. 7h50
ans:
6h13
